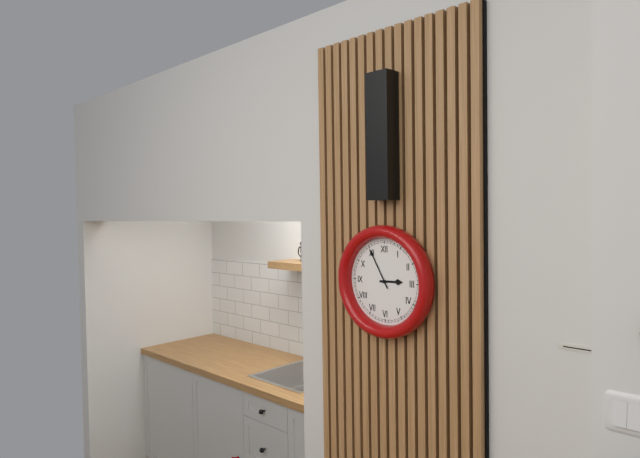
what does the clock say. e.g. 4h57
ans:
2h55
